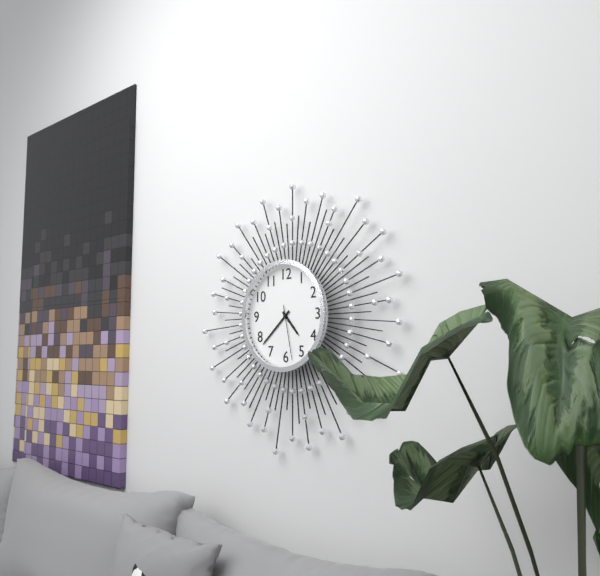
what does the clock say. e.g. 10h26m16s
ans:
4h38m28s
